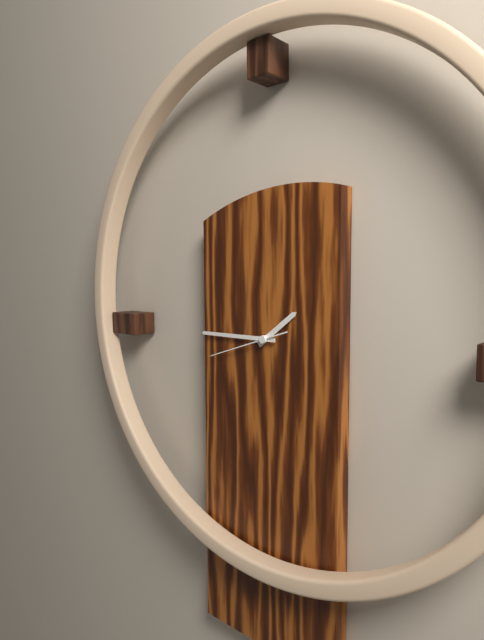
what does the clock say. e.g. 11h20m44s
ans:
1h45m42s
